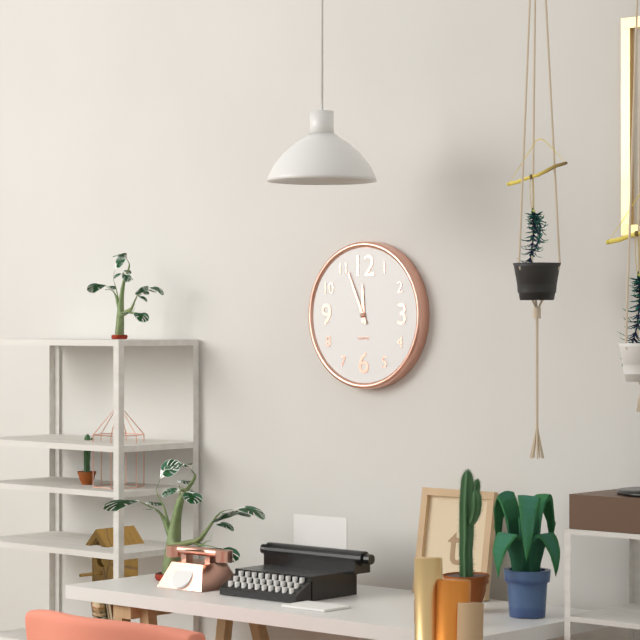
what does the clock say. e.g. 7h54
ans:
11h56
